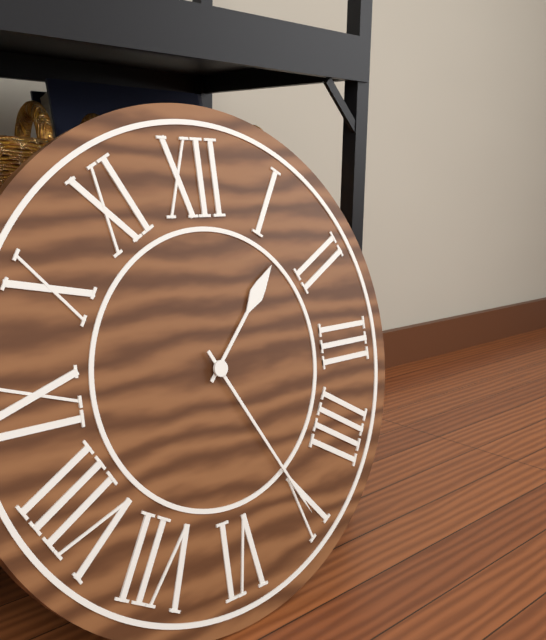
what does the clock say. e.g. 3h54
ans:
1h25
